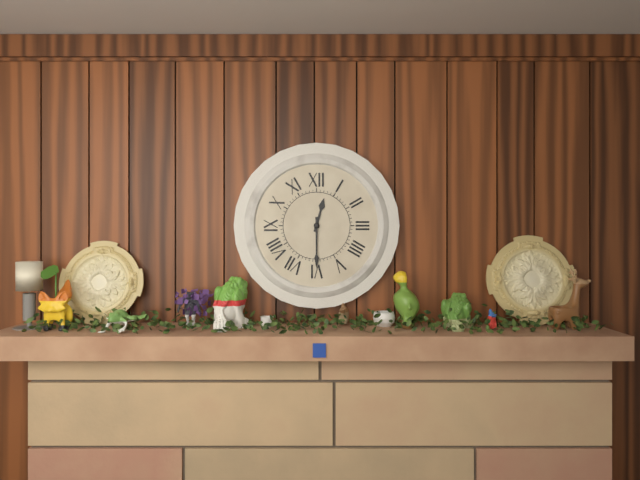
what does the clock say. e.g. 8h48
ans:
12h30
